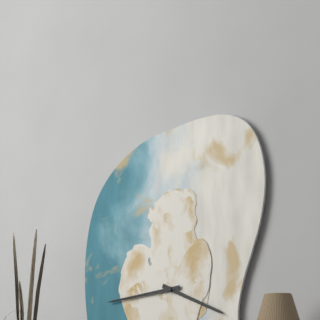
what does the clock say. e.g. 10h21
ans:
3h44
